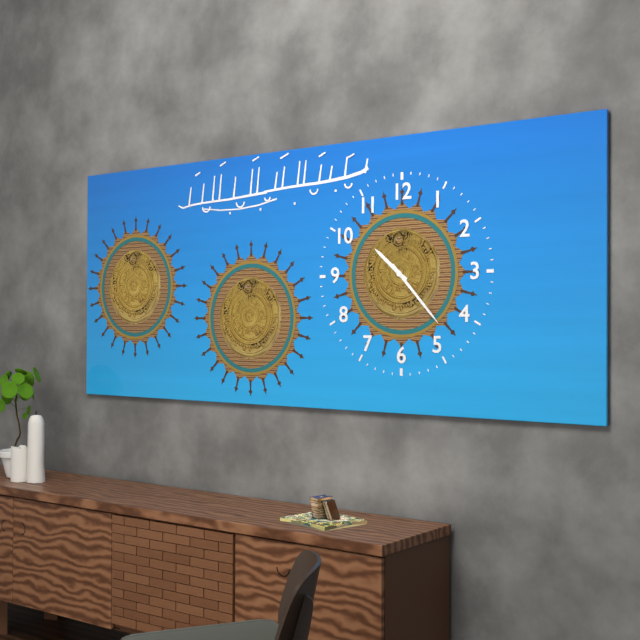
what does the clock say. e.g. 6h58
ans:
10h23
